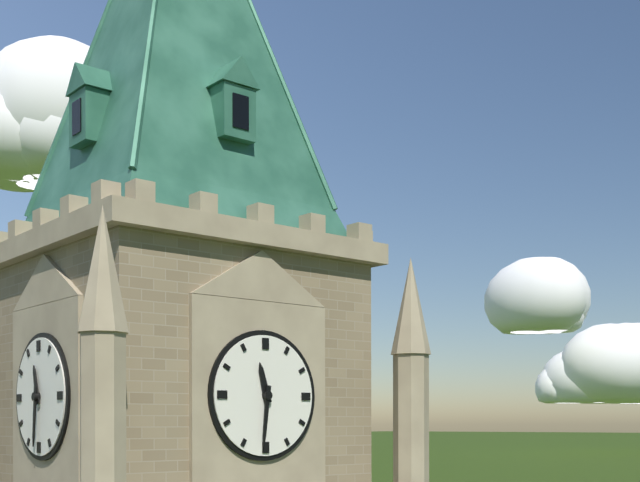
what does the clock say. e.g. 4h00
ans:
11h31
